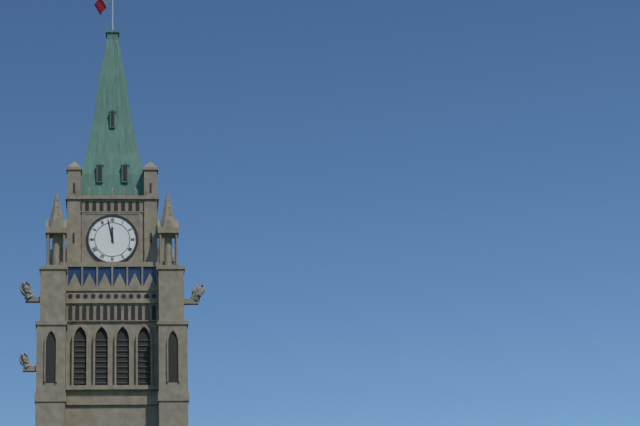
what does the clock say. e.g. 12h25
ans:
11h58
